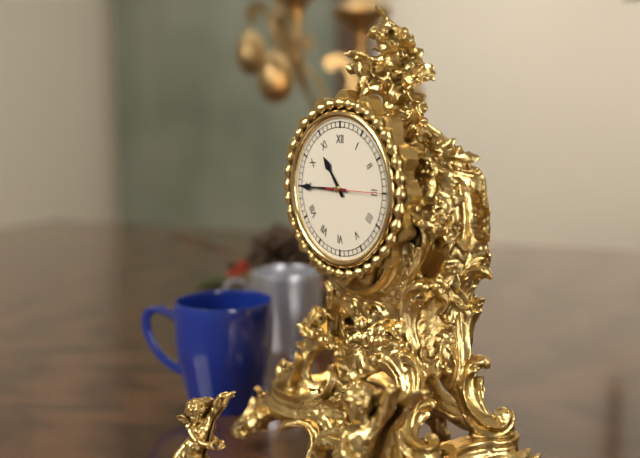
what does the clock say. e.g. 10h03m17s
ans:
10h45m15s
